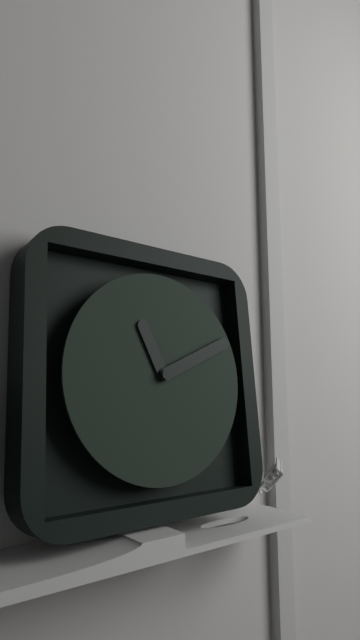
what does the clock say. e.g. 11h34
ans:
11h11
